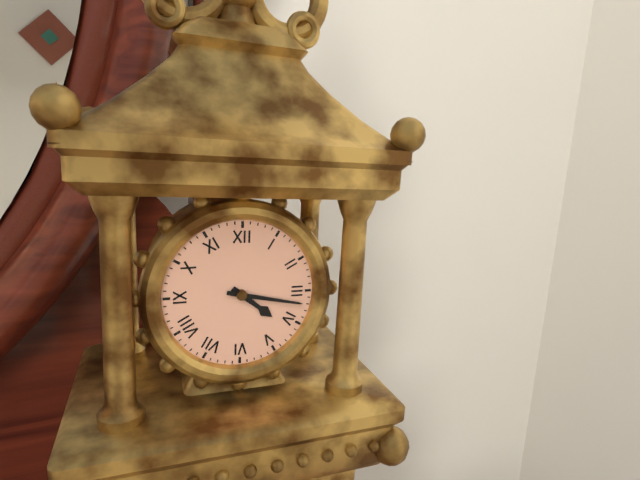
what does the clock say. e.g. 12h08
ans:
4h17
